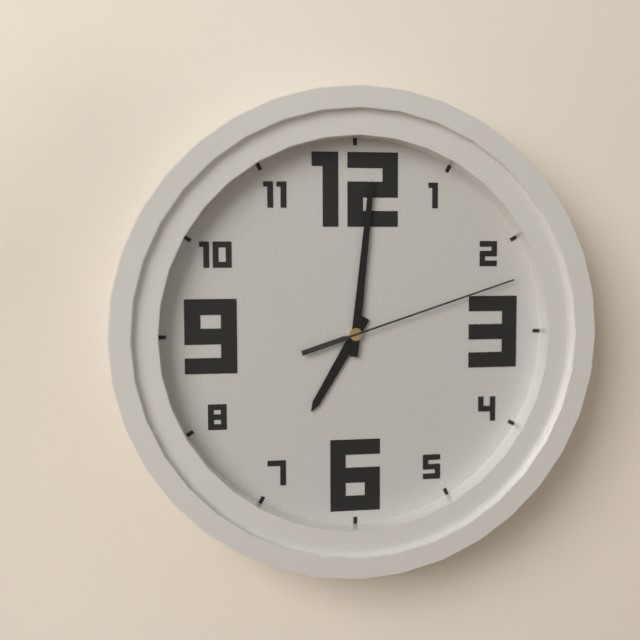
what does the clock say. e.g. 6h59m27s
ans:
7h01m12s
